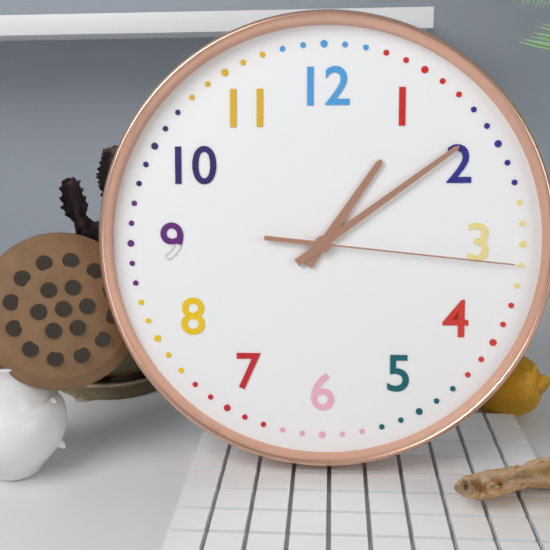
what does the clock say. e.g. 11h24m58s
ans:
1h09m16s
